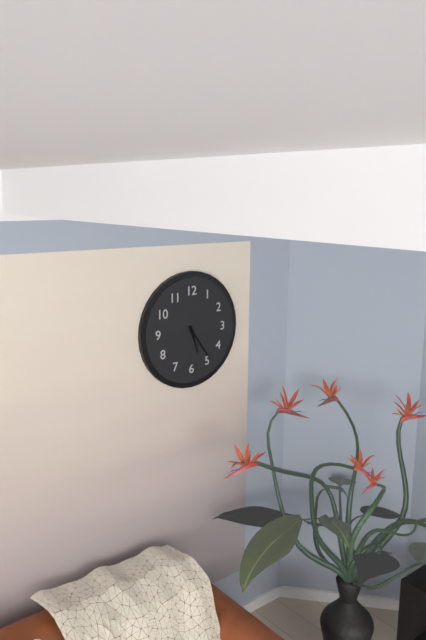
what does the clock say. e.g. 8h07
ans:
5h24
